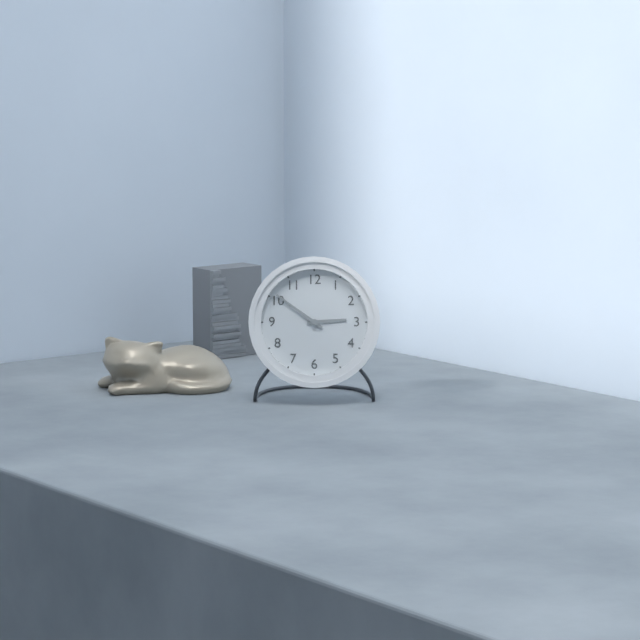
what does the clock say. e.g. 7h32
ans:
2h51
